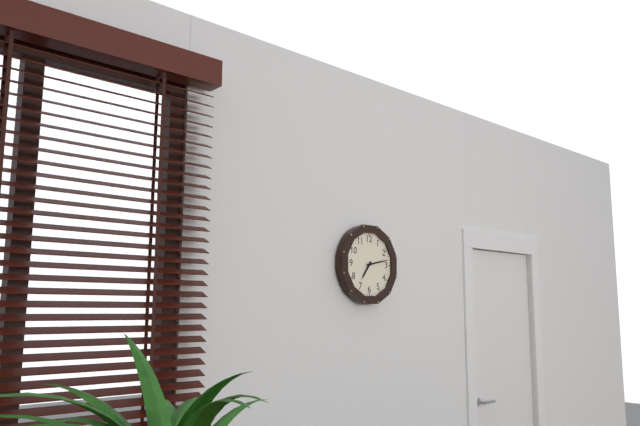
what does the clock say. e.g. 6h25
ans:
7h13
